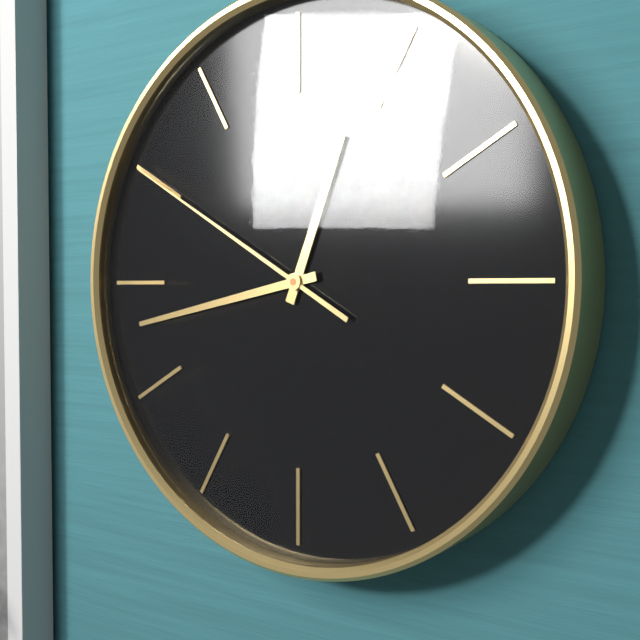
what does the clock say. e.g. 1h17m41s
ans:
12h43m50s
